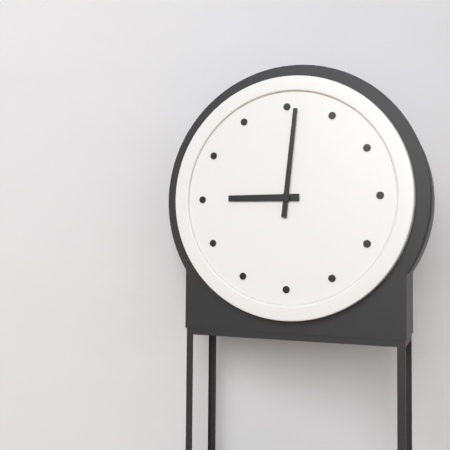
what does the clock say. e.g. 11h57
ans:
9h01
